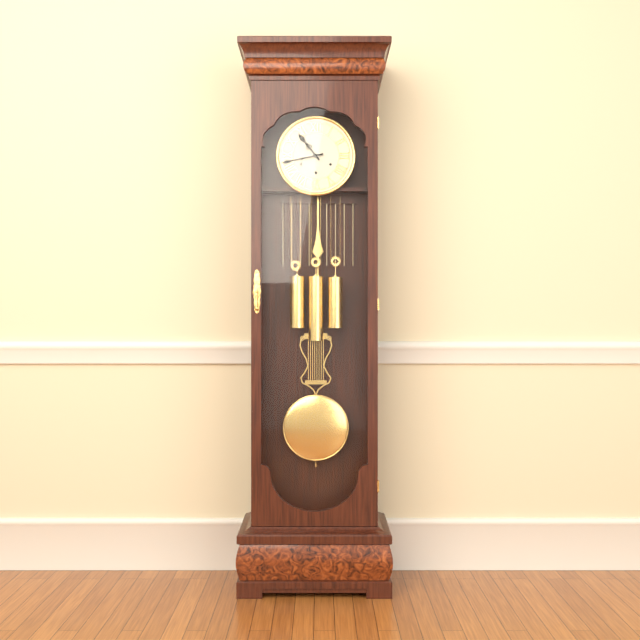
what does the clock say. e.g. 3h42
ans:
10h43
